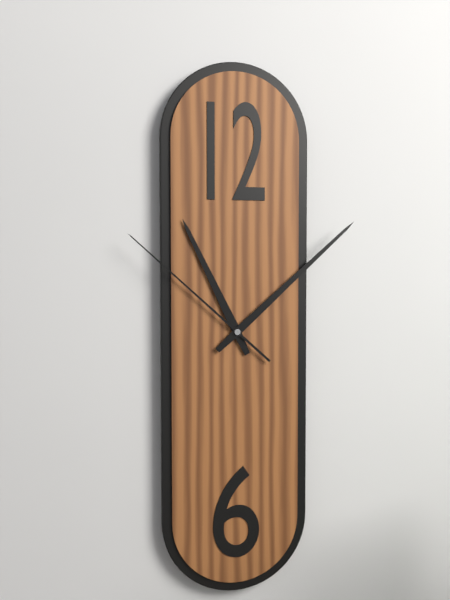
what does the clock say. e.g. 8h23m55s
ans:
11h08m52s
